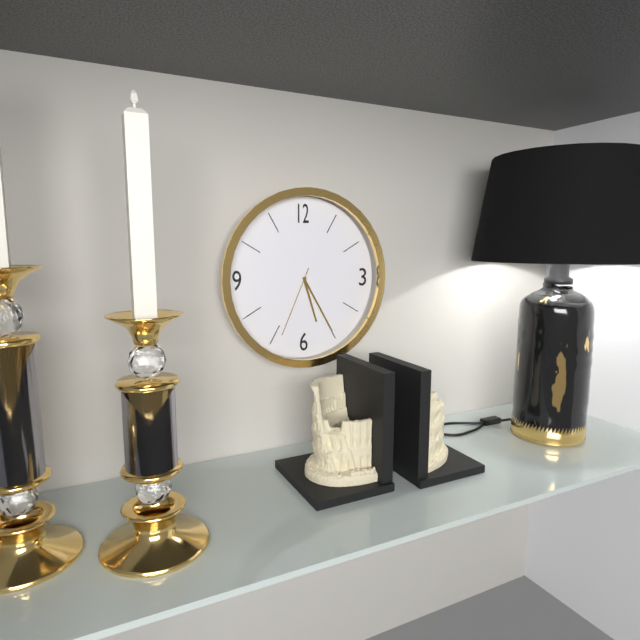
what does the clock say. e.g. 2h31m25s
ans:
5h25m34s
